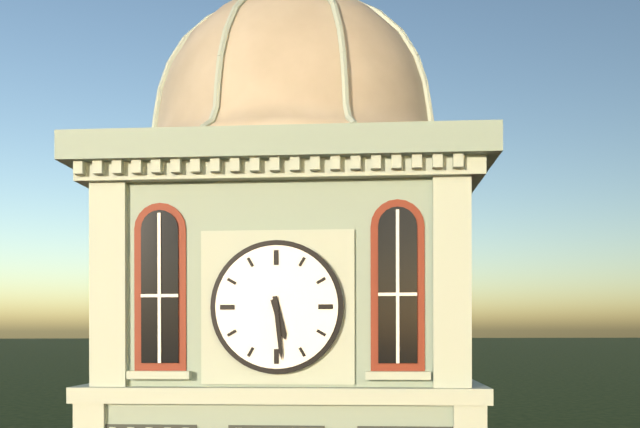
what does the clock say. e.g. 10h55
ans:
5h29
